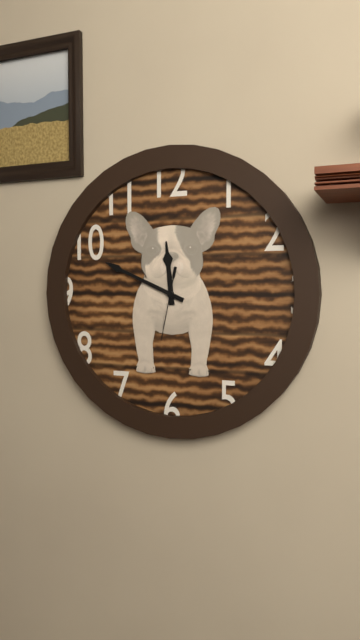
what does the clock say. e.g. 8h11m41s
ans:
11h49m32s
